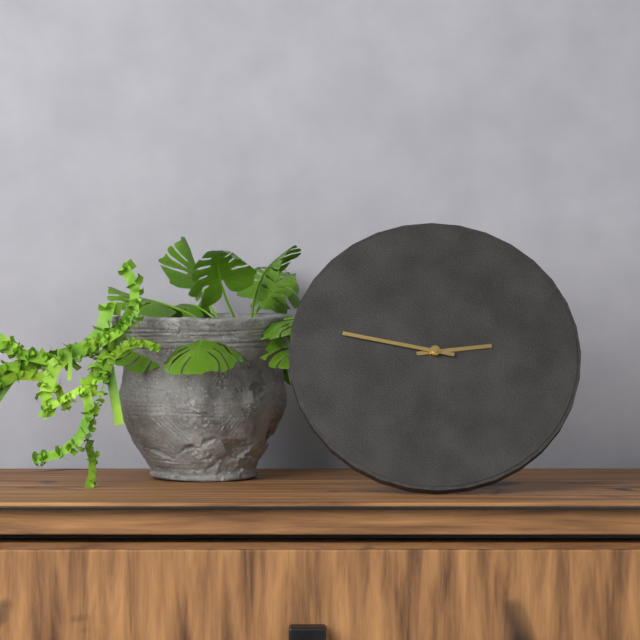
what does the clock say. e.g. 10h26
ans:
2h47
